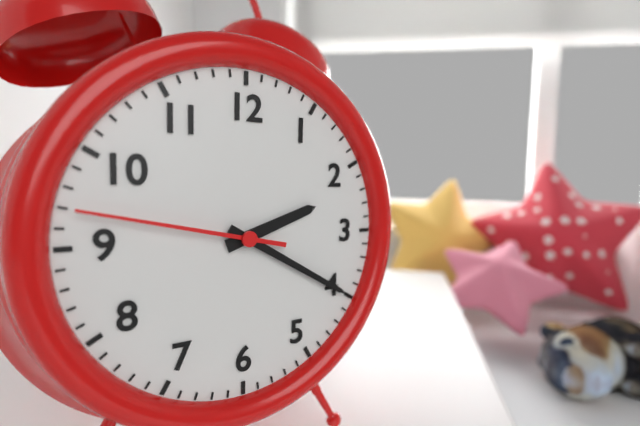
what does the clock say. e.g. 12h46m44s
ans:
2h20m47s
